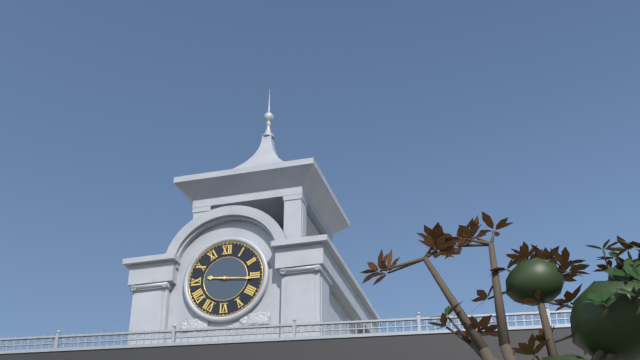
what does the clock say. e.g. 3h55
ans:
9h16
